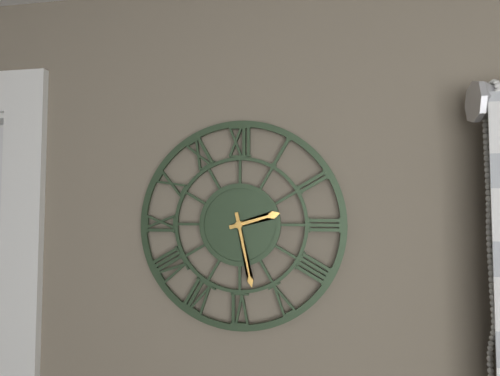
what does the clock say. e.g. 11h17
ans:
2h28
